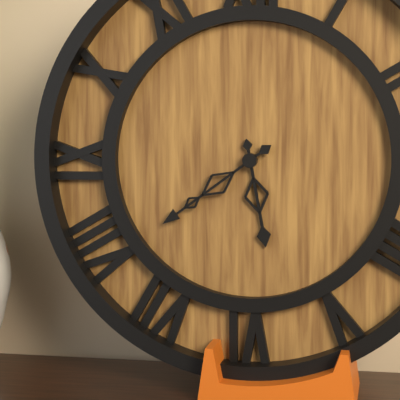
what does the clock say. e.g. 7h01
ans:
5h39
